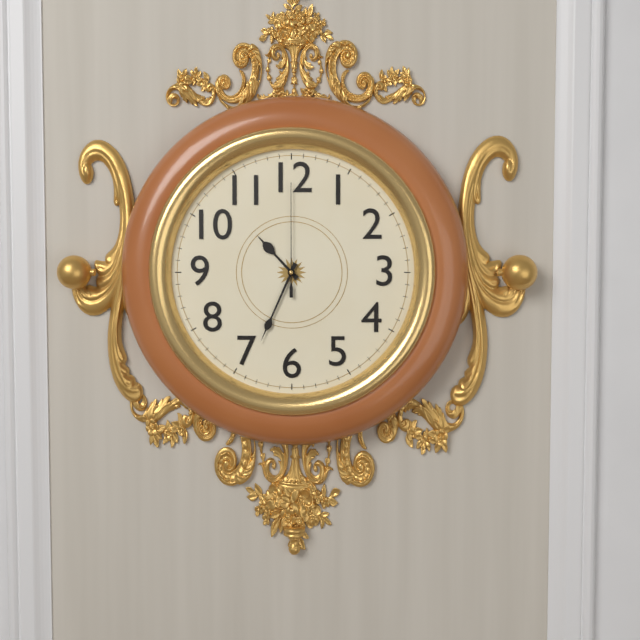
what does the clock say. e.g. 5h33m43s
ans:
10h34m00s
